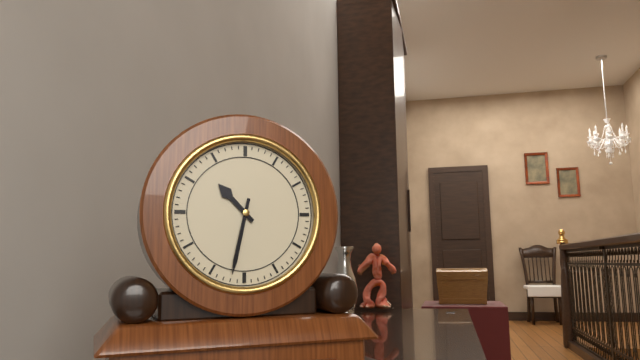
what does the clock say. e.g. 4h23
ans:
10h32
